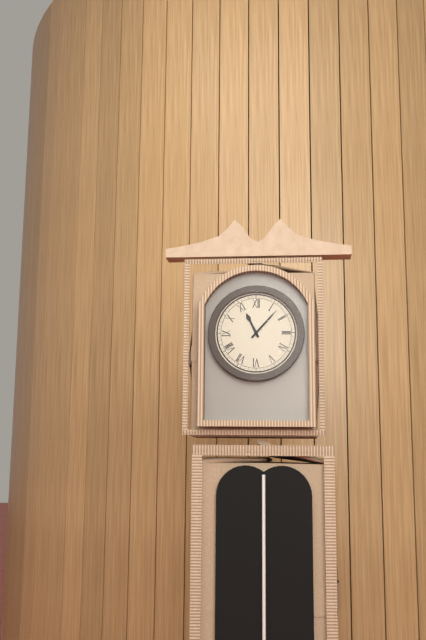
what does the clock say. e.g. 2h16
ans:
11h07
